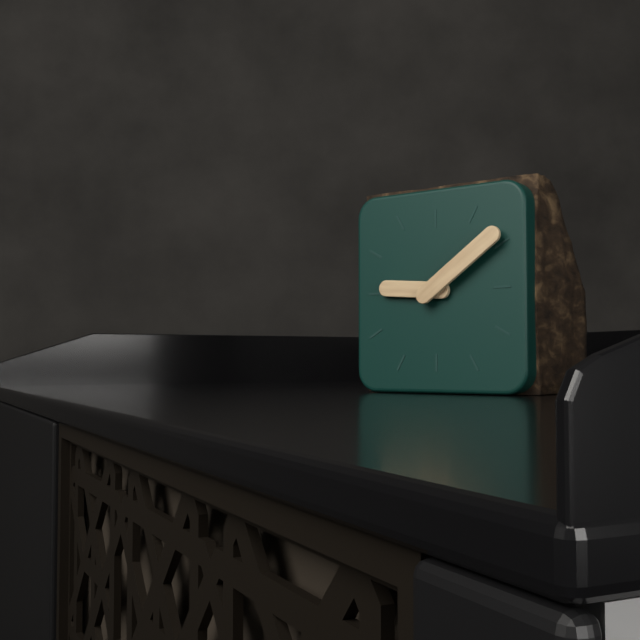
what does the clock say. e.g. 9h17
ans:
9h09
